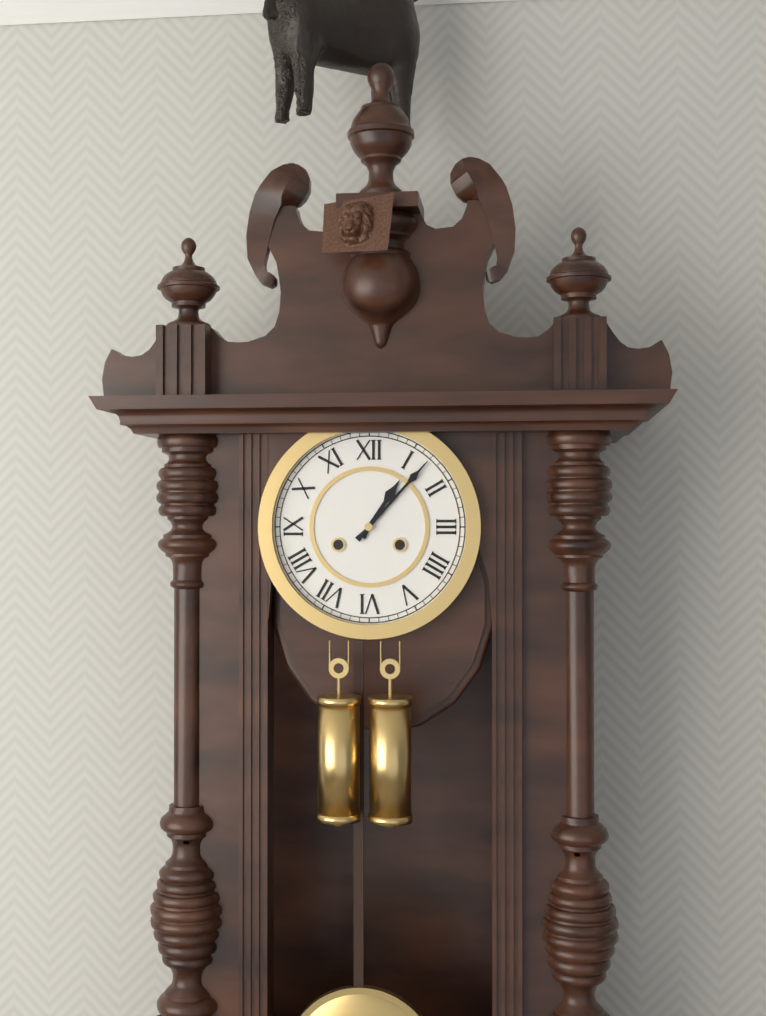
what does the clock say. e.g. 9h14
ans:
1h07
